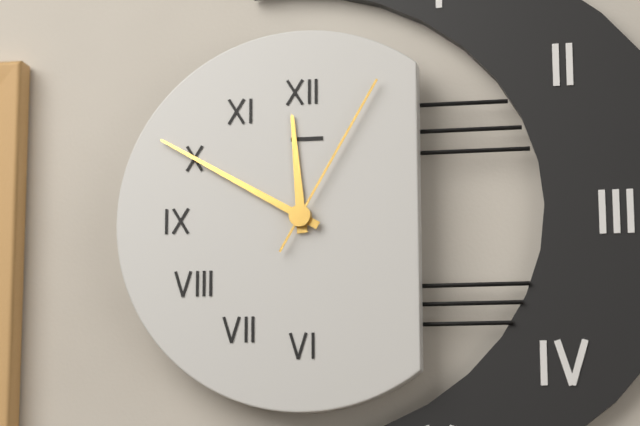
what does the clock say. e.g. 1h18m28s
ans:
11h50m05s
